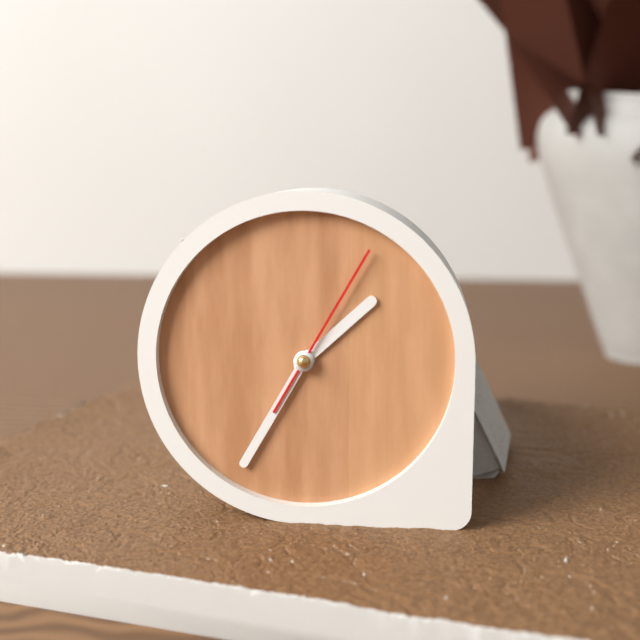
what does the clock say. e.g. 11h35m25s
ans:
1h35m05s
